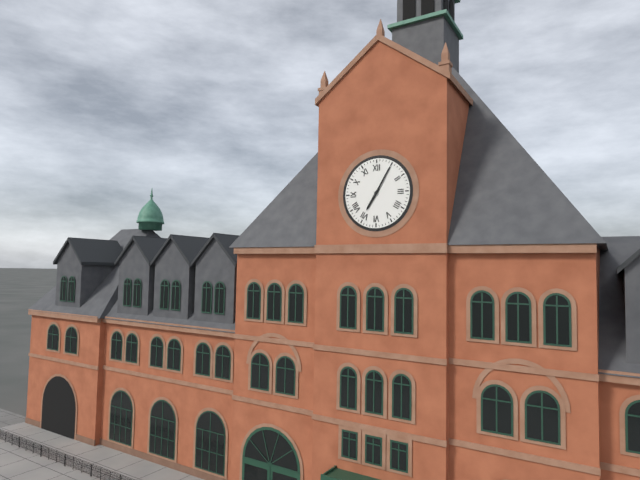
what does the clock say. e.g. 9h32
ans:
7h05
